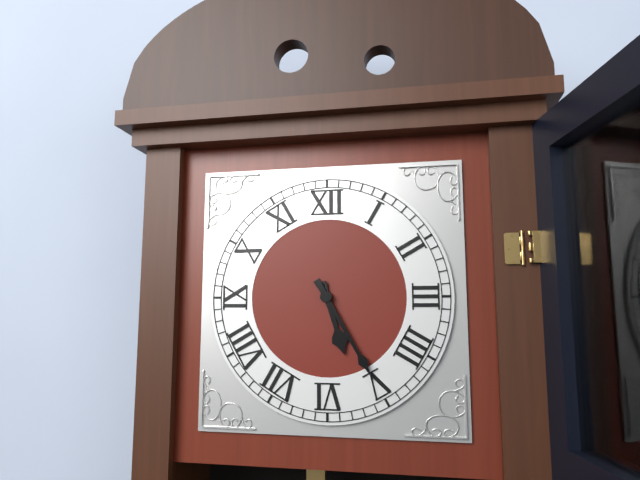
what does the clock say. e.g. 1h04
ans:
5h25
